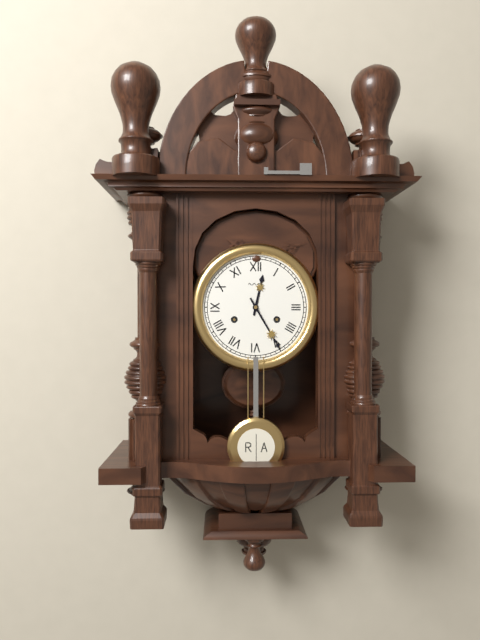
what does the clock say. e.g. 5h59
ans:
12h25
